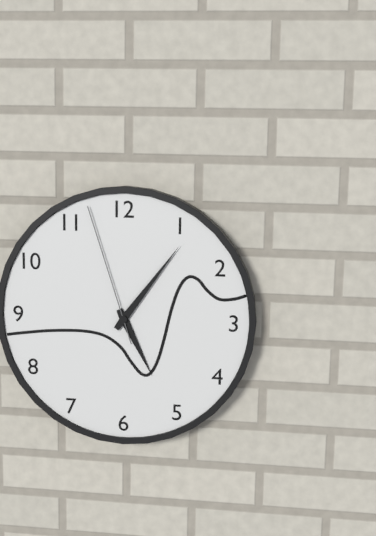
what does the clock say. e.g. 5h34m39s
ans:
5h06m57s
